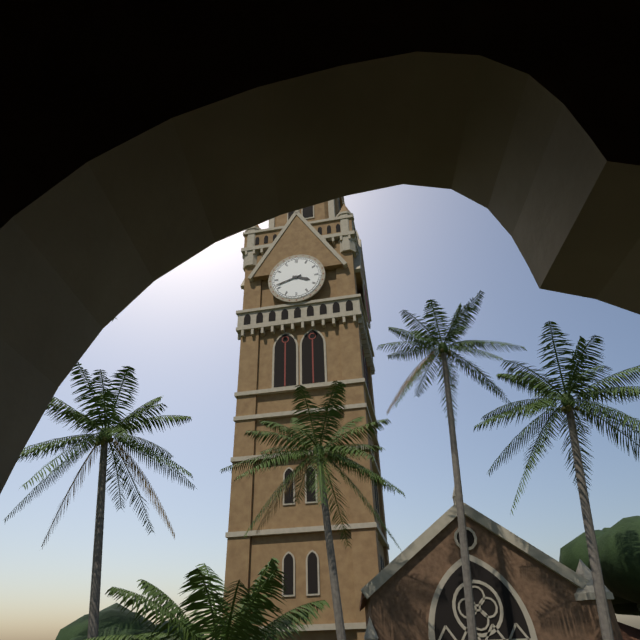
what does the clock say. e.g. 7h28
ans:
3h42
